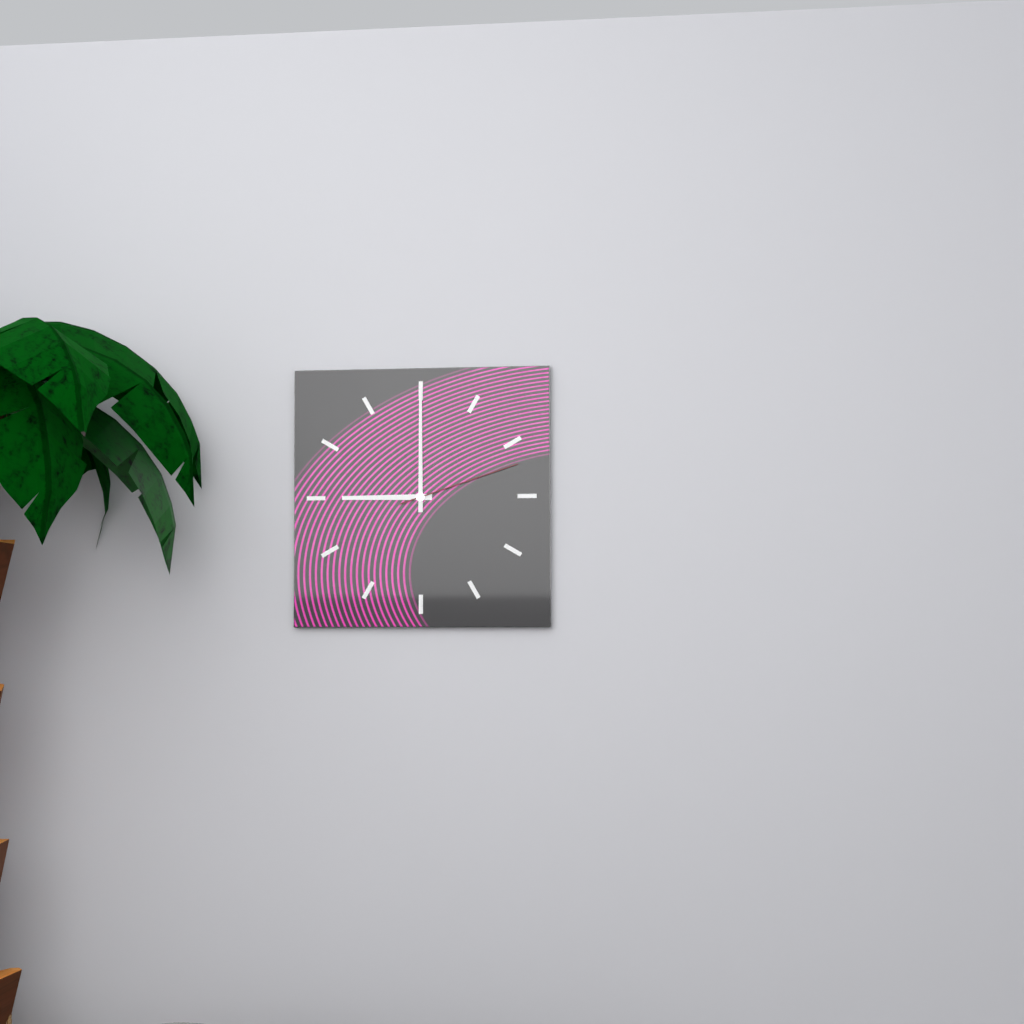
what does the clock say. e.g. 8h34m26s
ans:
9h00m12s
